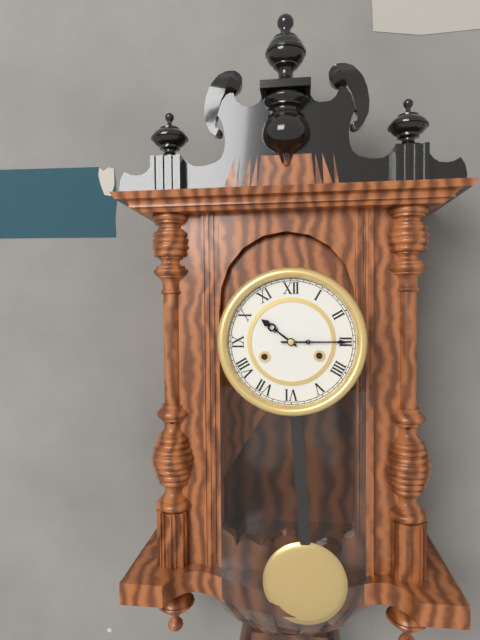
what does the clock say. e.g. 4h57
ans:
10h15
